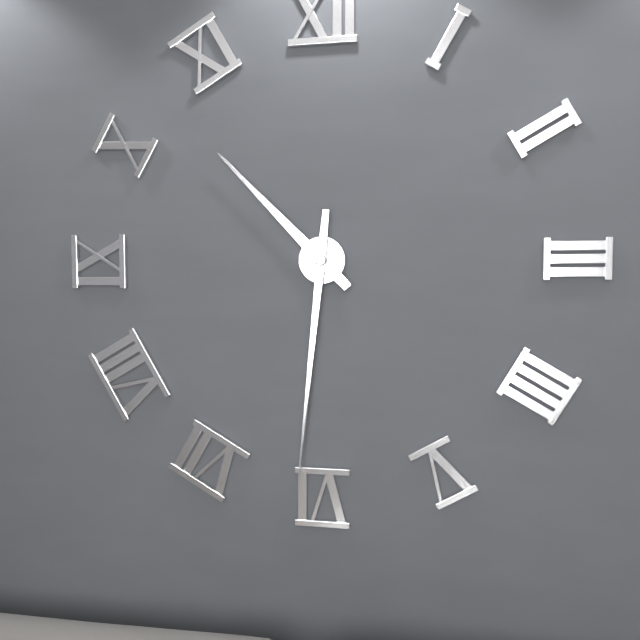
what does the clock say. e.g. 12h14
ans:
10h31
